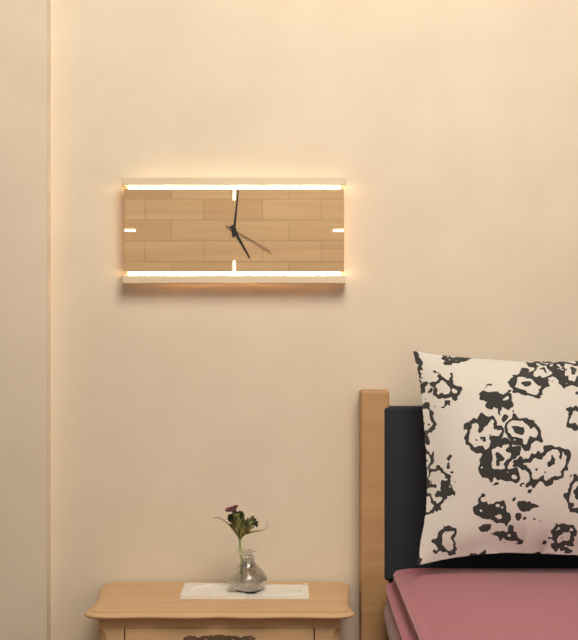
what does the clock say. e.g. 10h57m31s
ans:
5h01m20s
